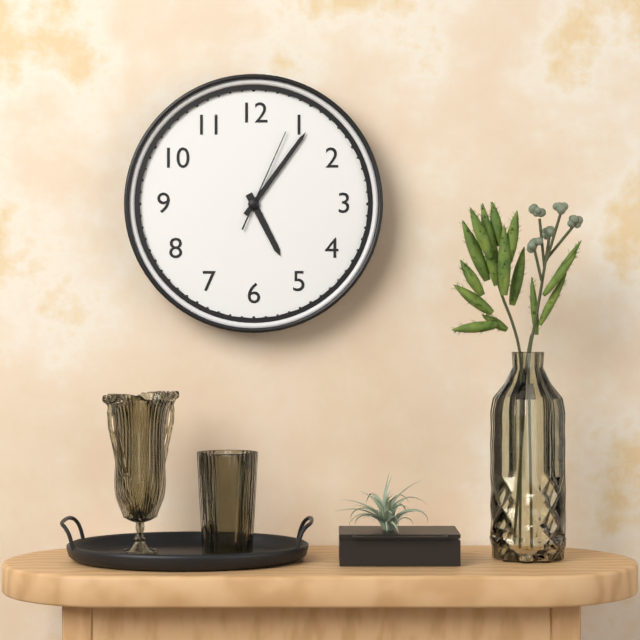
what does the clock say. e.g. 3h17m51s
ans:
5h06m04s
